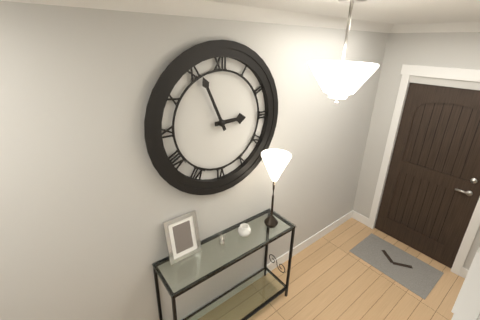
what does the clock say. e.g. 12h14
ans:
2h56
